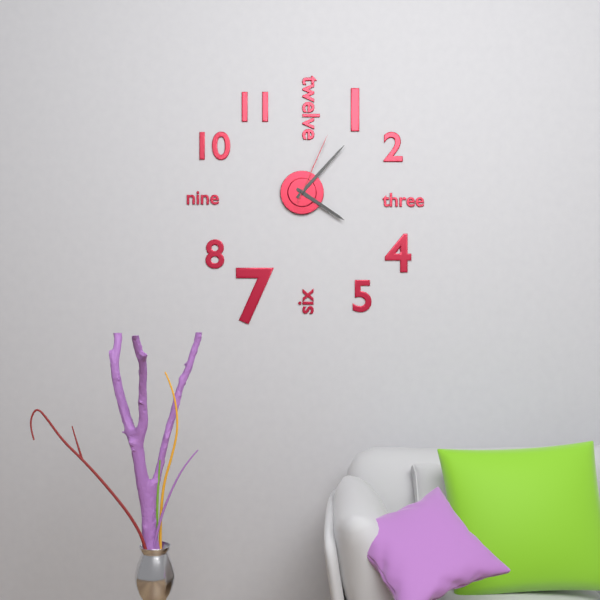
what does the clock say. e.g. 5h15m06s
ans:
4h07m04s
